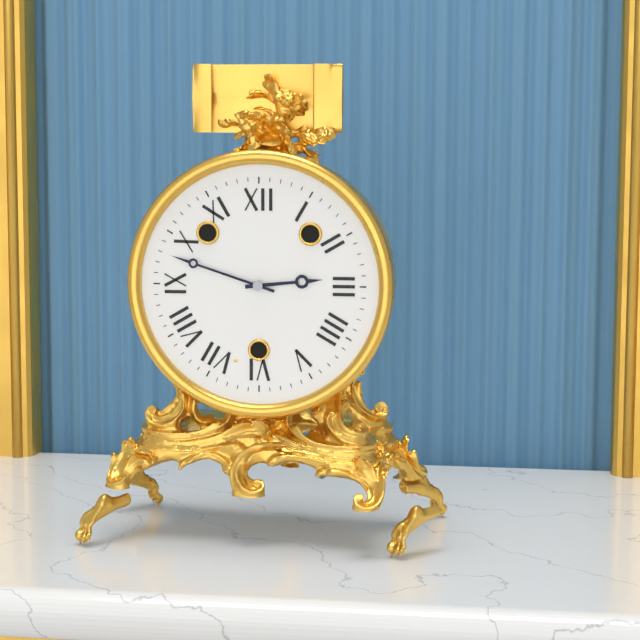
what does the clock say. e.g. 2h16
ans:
2h48
